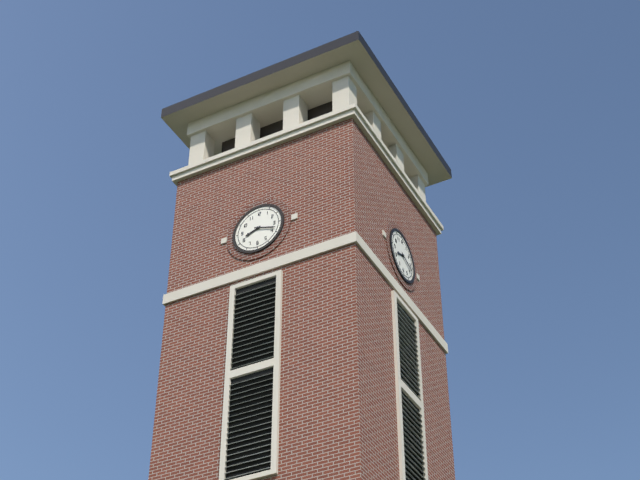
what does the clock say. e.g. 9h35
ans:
8h18
